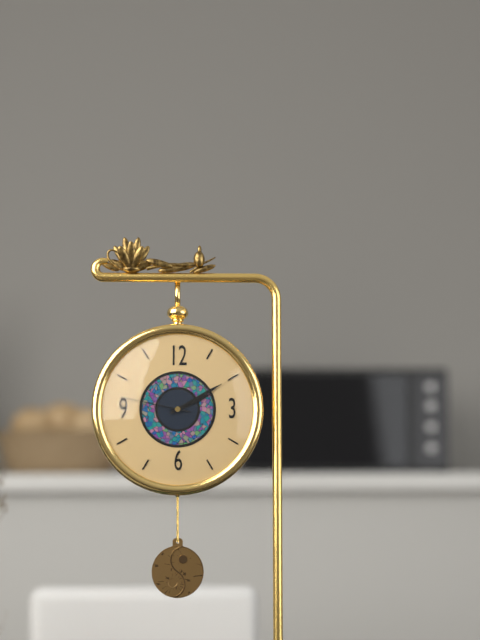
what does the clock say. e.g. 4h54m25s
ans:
2h10m47s
